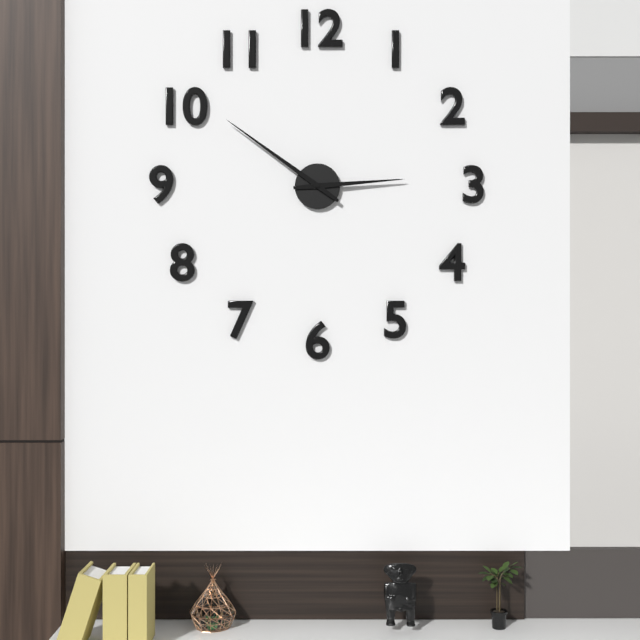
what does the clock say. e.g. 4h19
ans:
2h51
